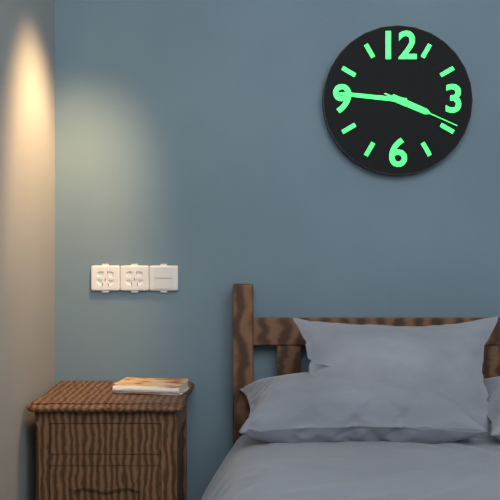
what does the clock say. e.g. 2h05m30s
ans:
3h46m19s
